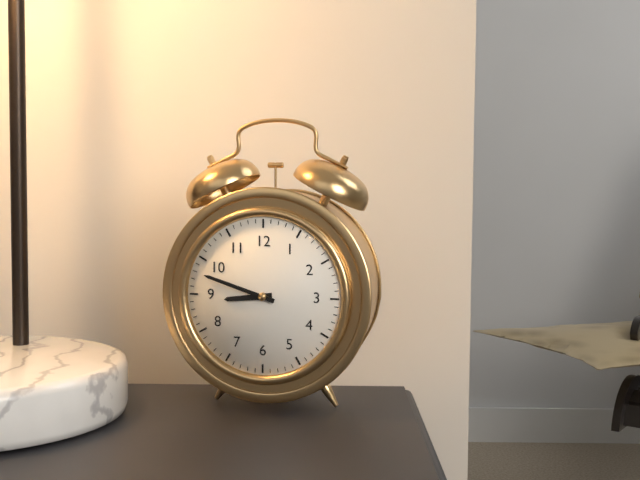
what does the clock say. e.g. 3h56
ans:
8h48
